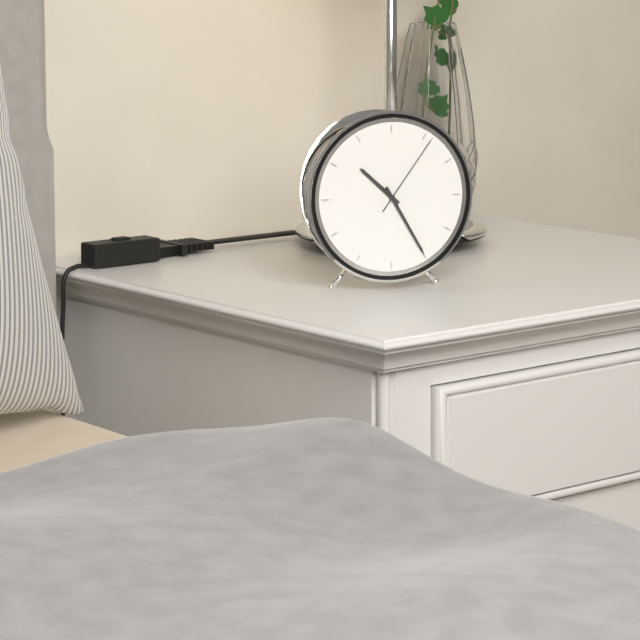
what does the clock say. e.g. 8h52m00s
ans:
10h25m06s
